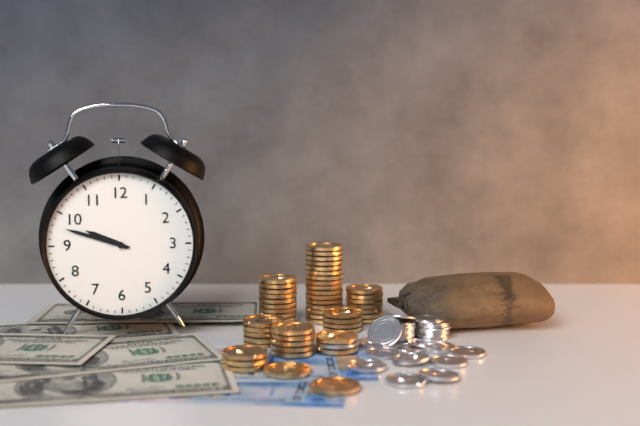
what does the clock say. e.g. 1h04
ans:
9h48
